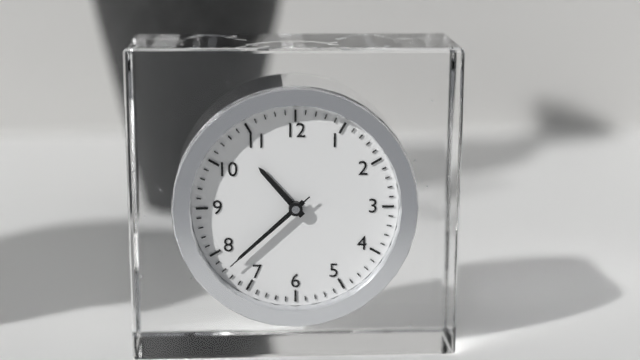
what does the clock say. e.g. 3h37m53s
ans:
10h38m38s
